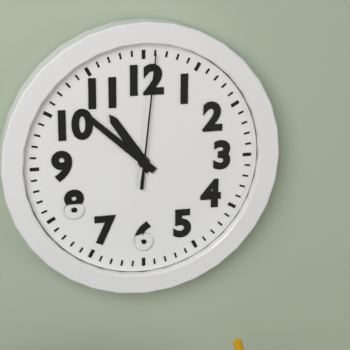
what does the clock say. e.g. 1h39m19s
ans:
10h52m01s
